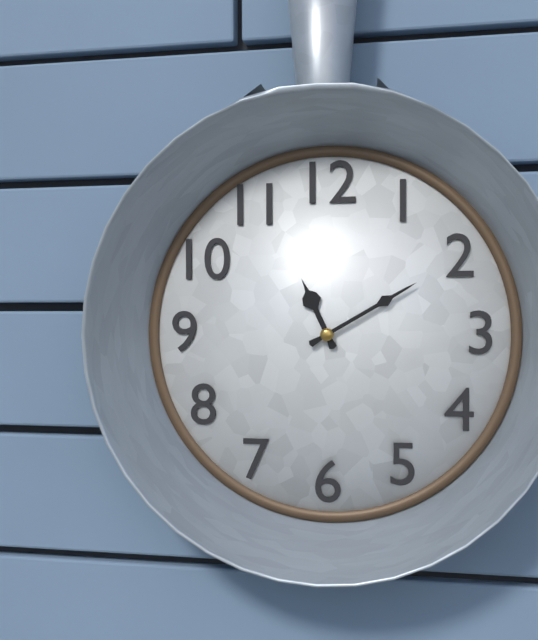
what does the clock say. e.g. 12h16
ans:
11h10
